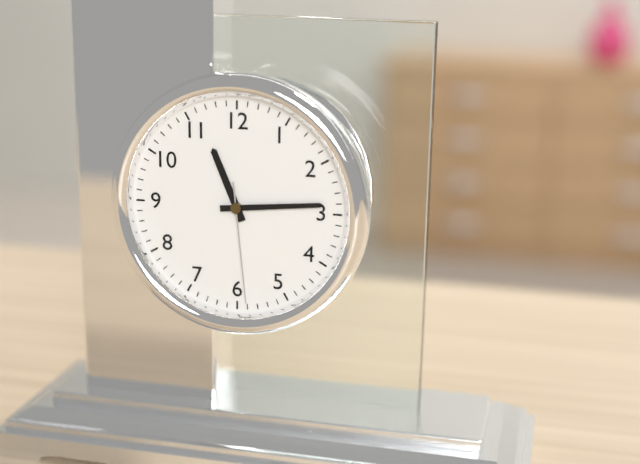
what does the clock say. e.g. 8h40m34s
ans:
11h14m29s
